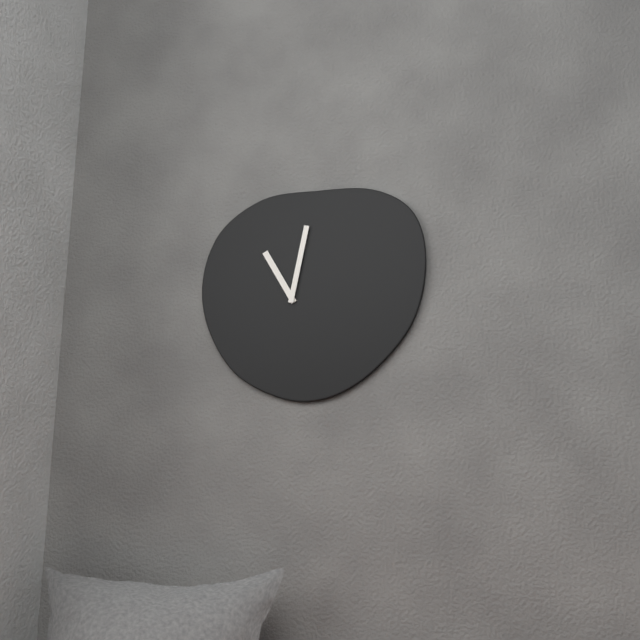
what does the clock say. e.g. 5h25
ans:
11h02
